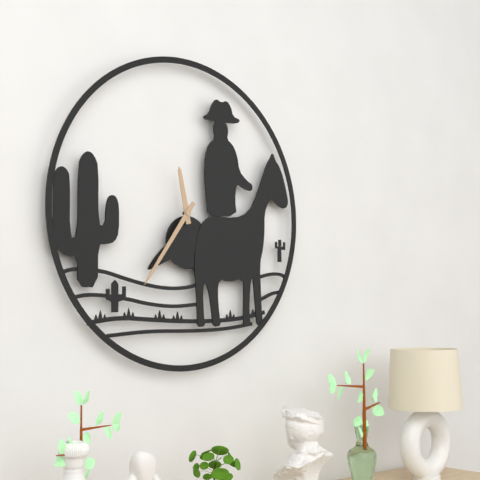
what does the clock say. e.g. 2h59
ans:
11h36
